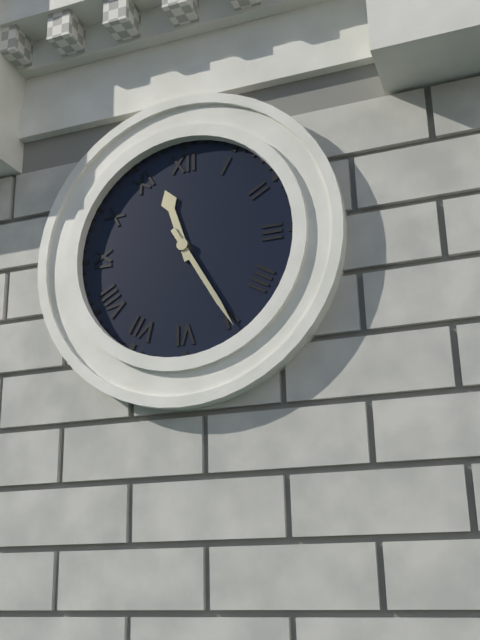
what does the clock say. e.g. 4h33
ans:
11h25
